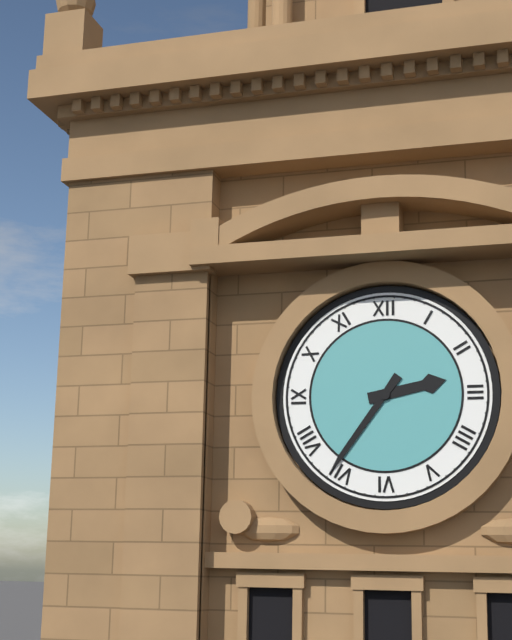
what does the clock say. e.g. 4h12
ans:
2h36
